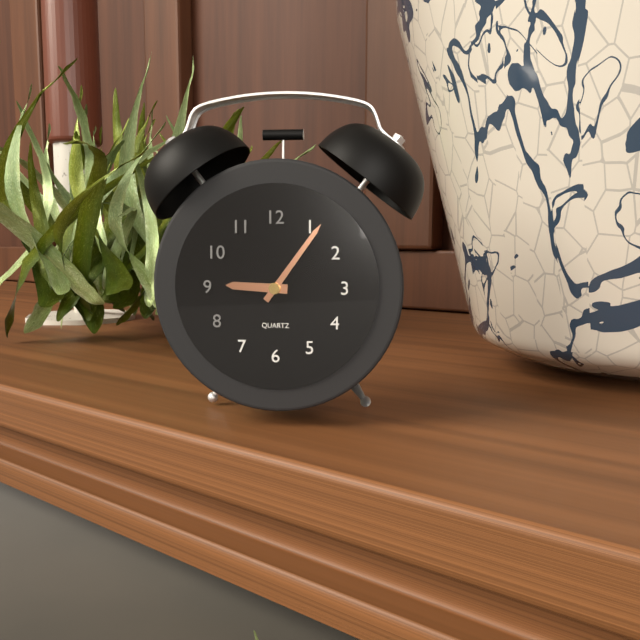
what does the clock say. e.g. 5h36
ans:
9h06
